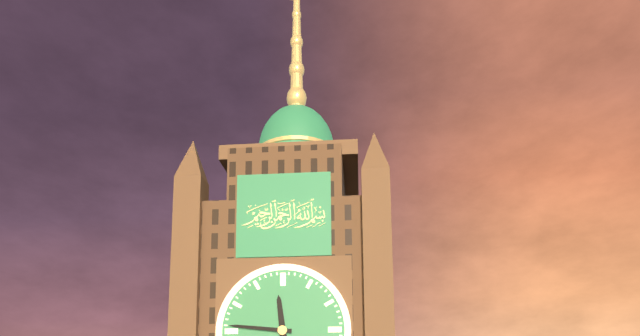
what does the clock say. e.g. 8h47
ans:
11h46
